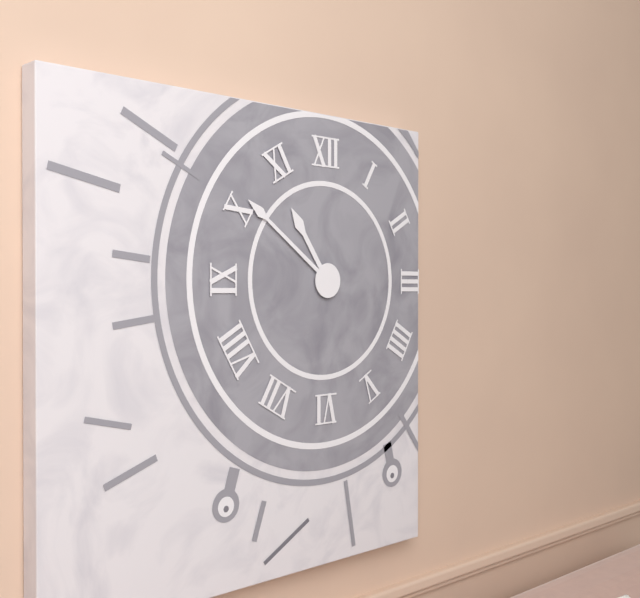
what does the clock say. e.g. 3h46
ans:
10h51
